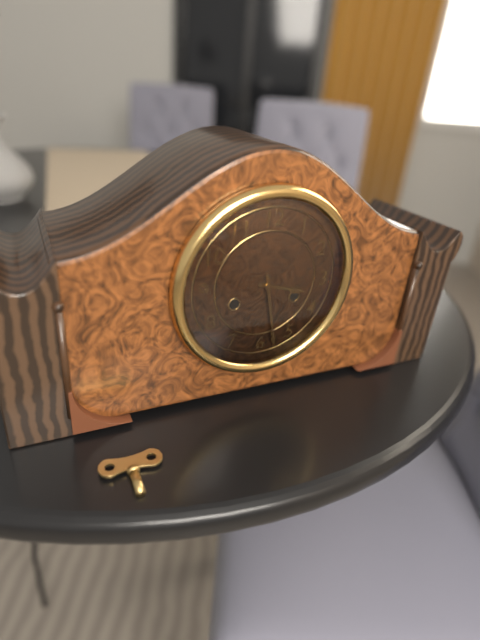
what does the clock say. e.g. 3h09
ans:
3h28
